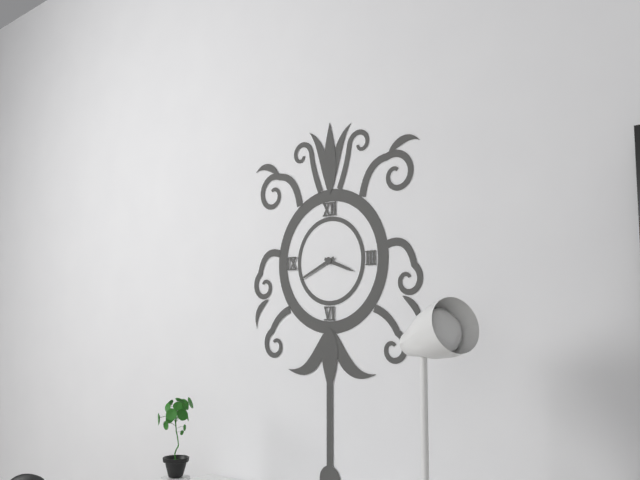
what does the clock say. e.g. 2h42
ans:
3h41
